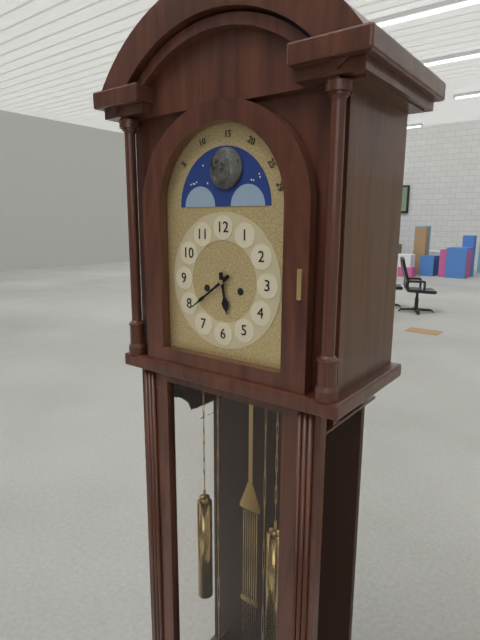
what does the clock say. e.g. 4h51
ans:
5h39
